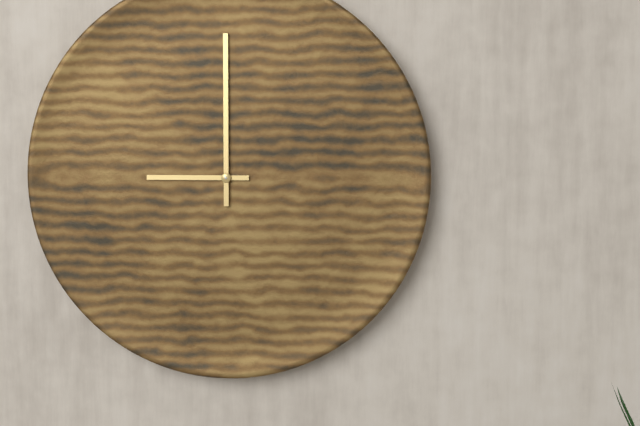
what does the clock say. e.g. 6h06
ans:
9h00
